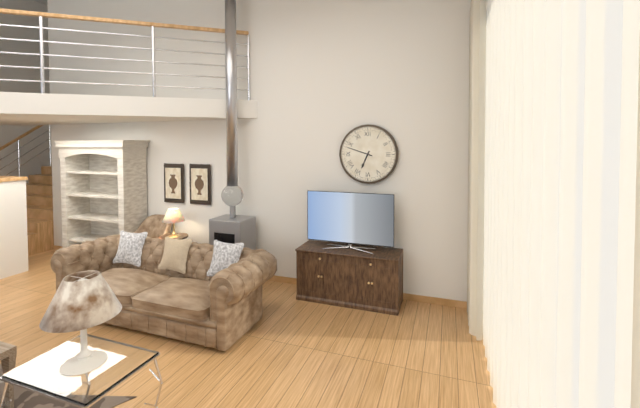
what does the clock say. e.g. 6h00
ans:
6h48
